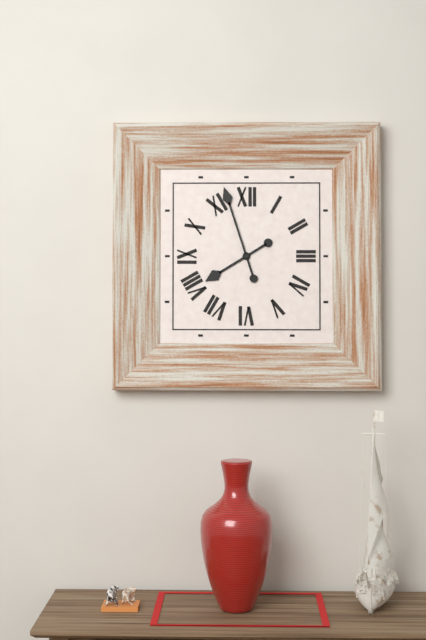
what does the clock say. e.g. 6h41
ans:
7h57
